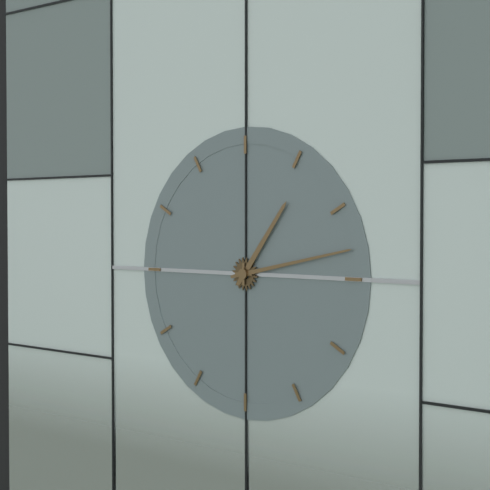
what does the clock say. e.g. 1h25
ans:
1h13
